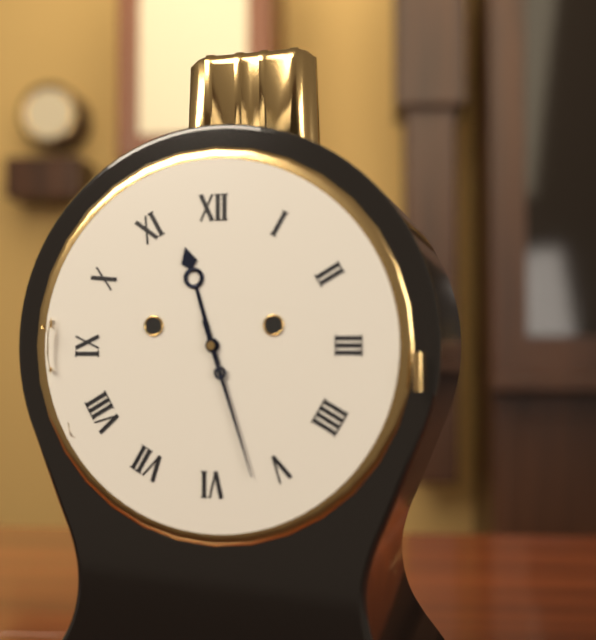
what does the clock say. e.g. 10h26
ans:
11h27
